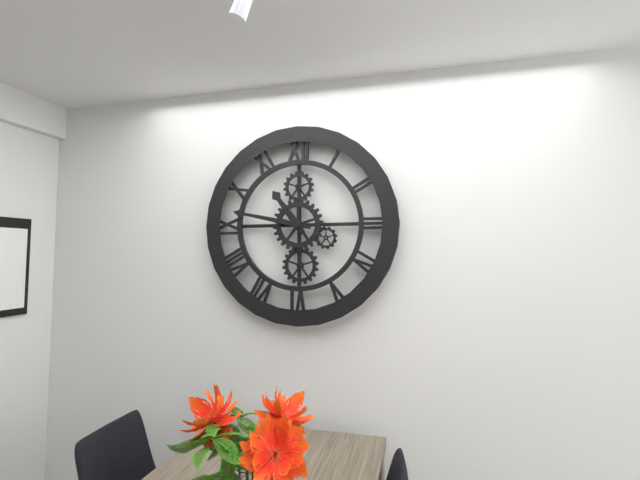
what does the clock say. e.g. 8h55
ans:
10h47
